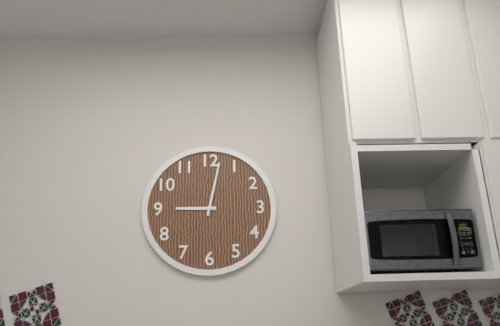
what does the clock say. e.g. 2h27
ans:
9h02
